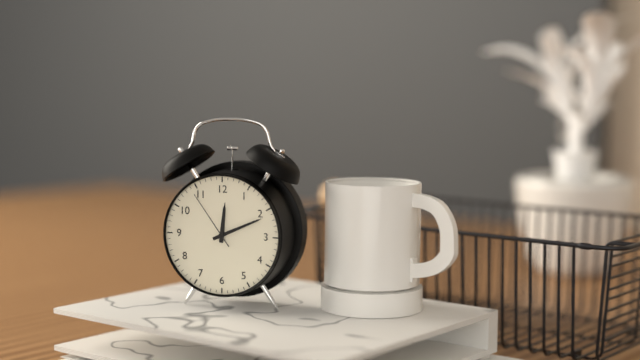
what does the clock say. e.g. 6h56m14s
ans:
12h11m54s
